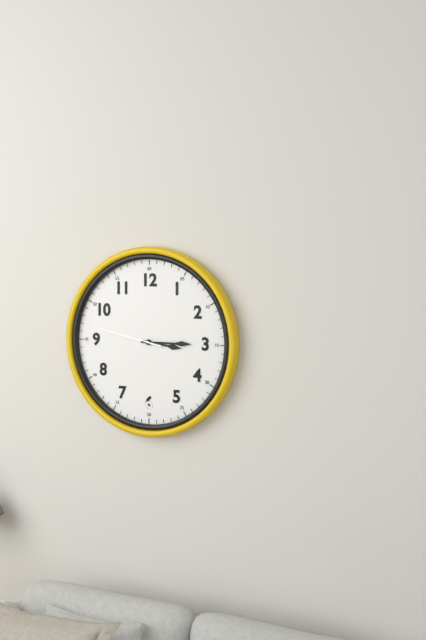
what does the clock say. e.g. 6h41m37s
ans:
3h15m47s
